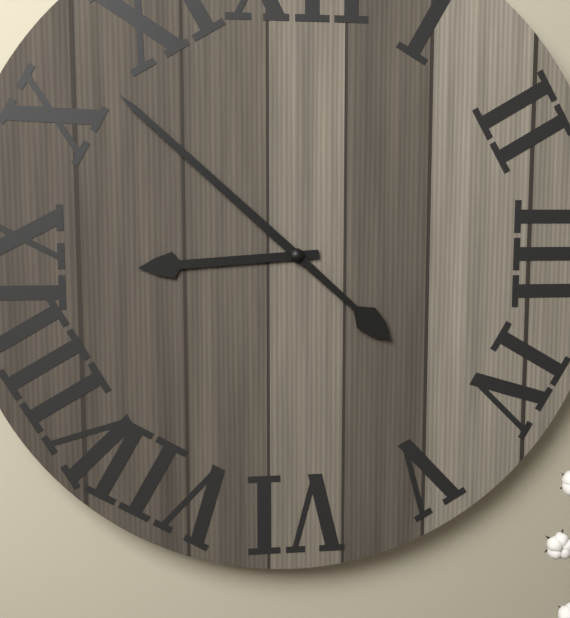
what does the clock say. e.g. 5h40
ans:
8h52
